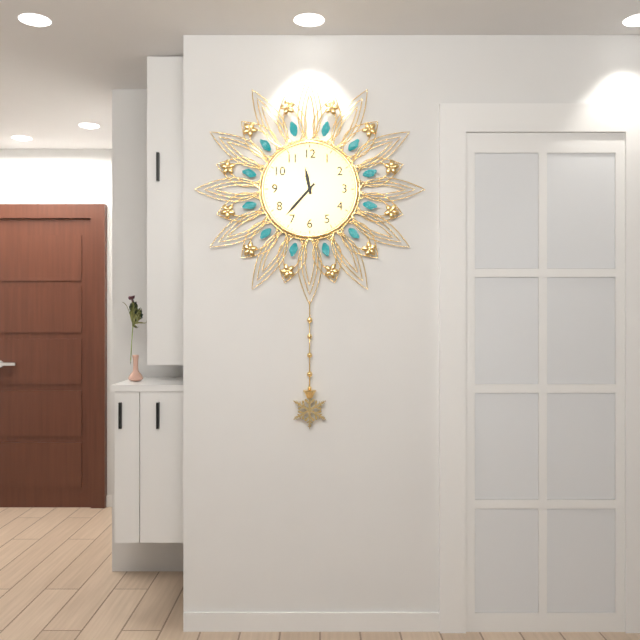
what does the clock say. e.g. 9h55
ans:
11h37
